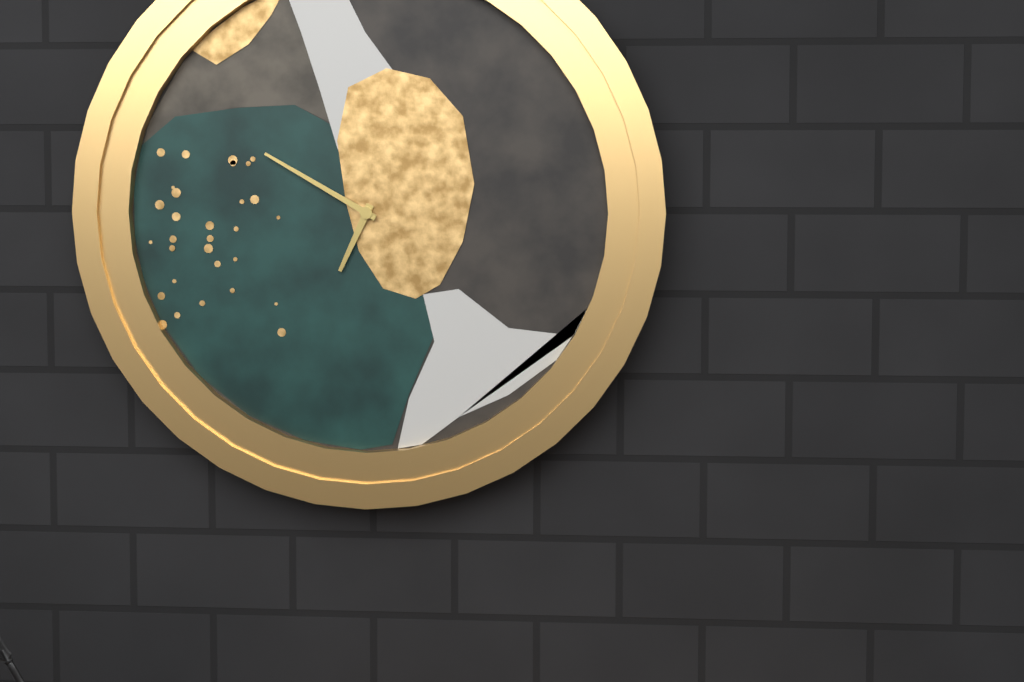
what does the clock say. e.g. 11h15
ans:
6h50
